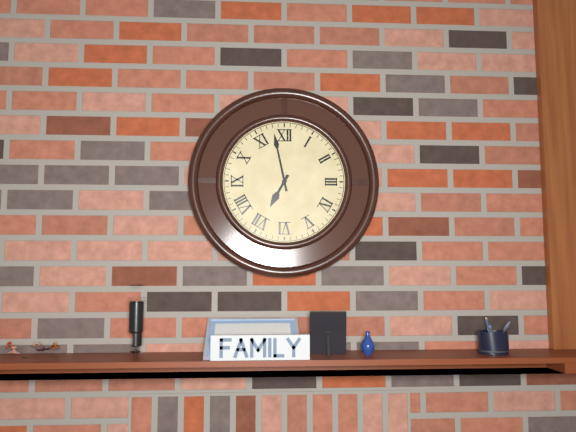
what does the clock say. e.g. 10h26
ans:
6h58
